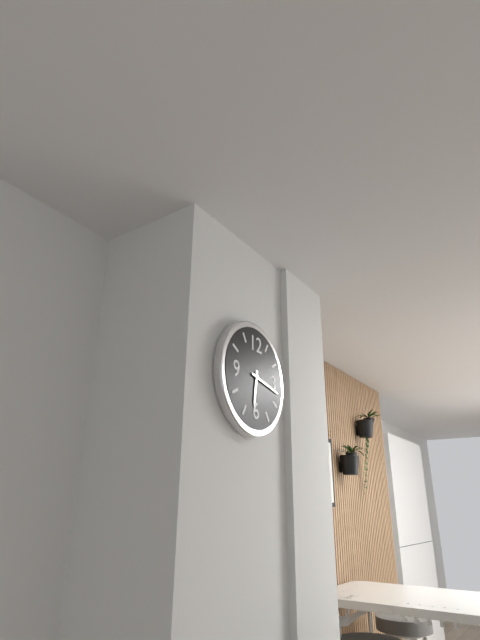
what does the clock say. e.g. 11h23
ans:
6h17
